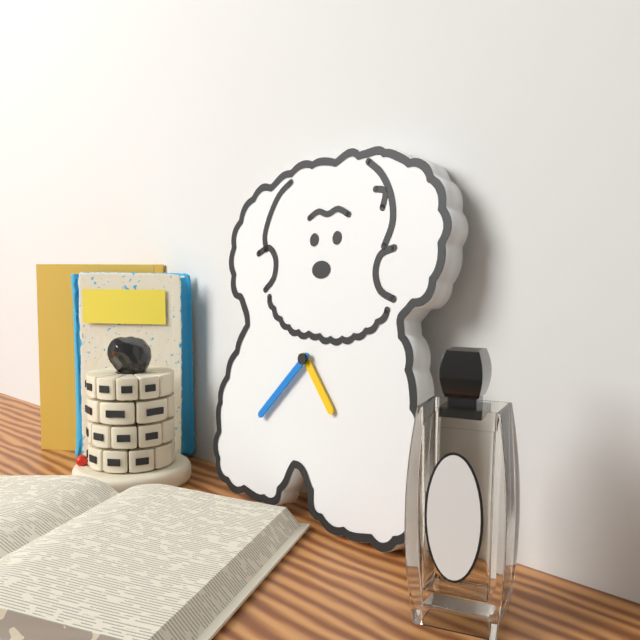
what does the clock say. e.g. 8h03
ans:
4h37
